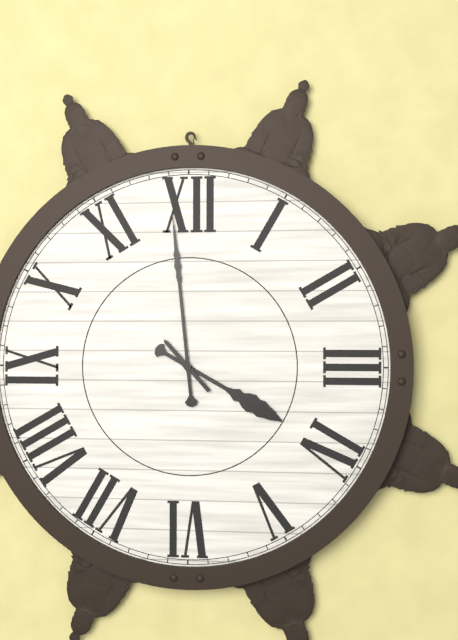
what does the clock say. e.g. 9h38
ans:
3h59
